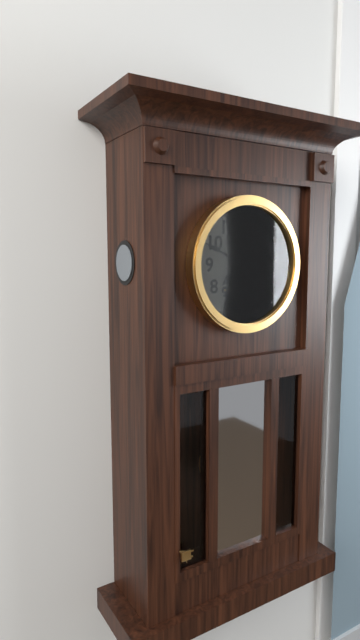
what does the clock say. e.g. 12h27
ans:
7h49
